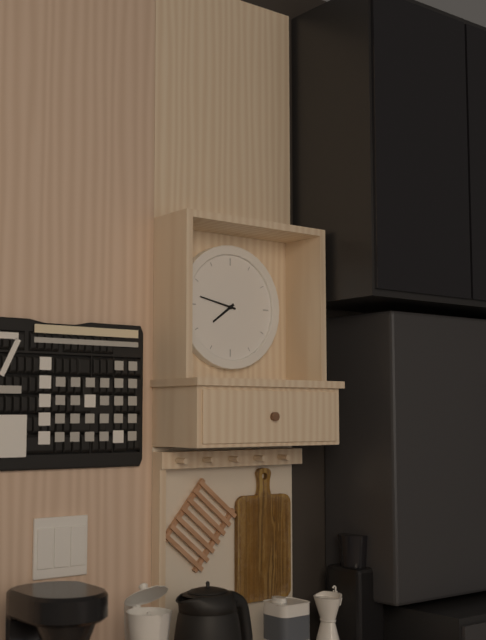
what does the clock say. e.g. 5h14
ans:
7h47
